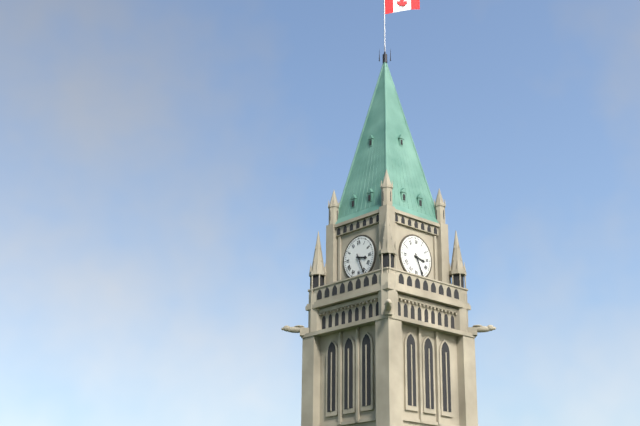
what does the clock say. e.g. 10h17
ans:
3h26
